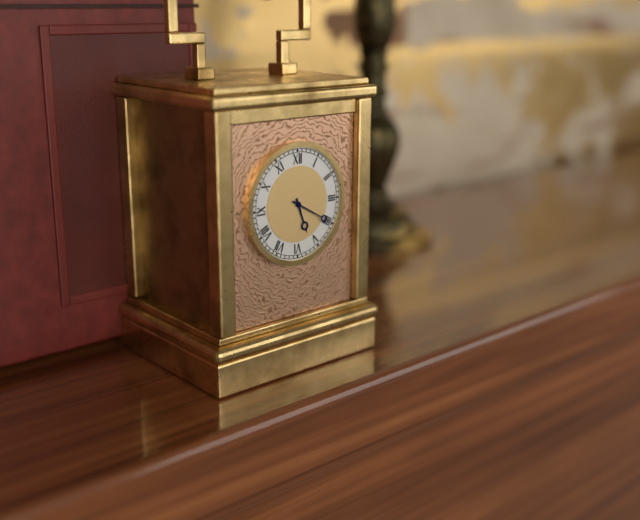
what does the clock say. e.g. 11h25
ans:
5h20
